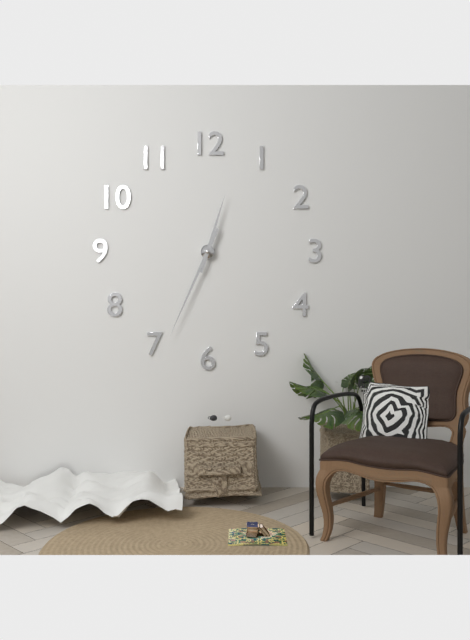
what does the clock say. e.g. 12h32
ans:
12h34
